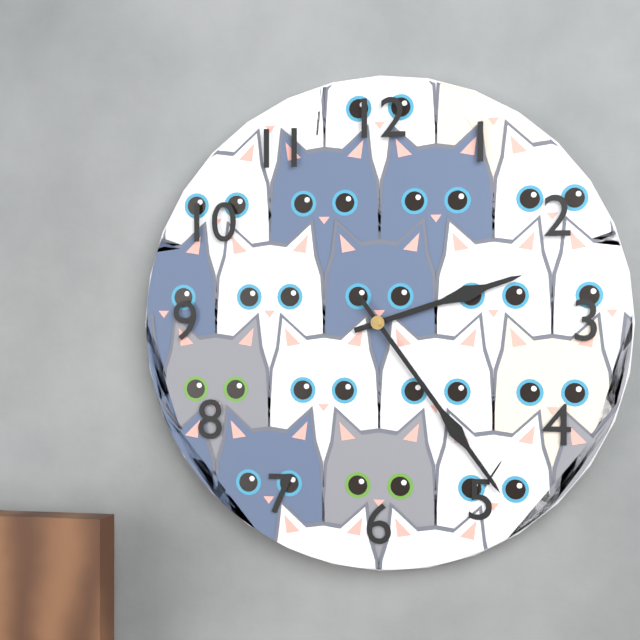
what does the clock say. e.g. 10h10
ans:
2h24
